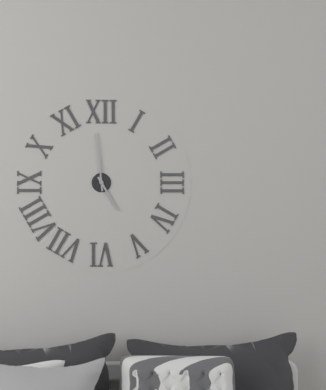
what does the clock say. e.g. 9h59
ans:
4h59
